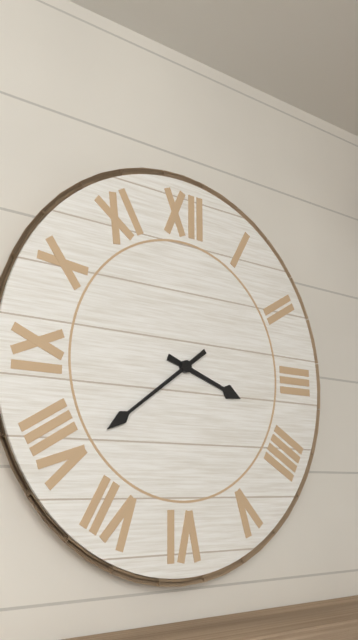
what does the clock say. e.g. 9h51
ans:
3h39
